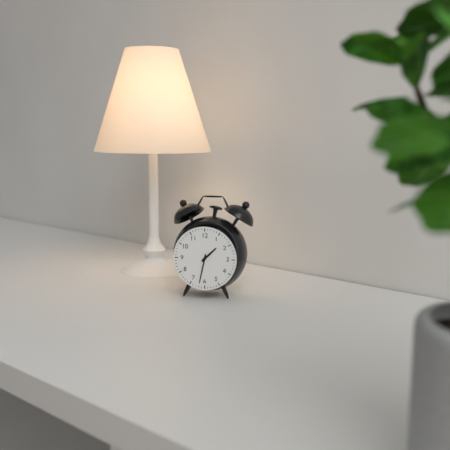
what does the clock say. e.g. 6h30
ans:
1h32
